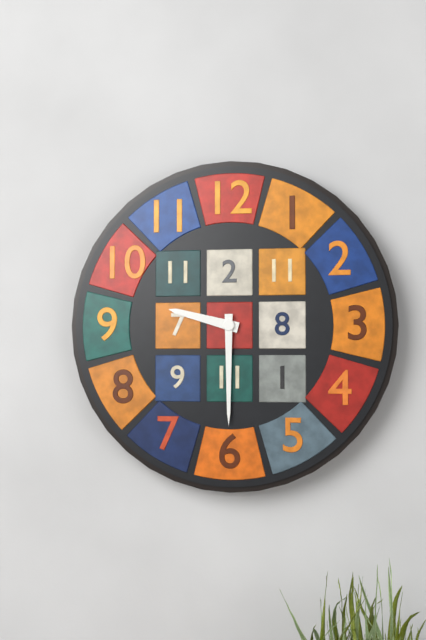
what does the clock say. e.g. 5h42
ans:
9h30
